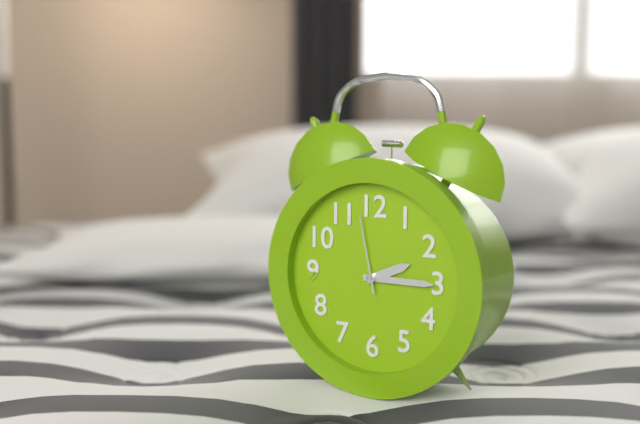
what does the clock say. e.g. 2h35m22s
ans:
2h15m58s
